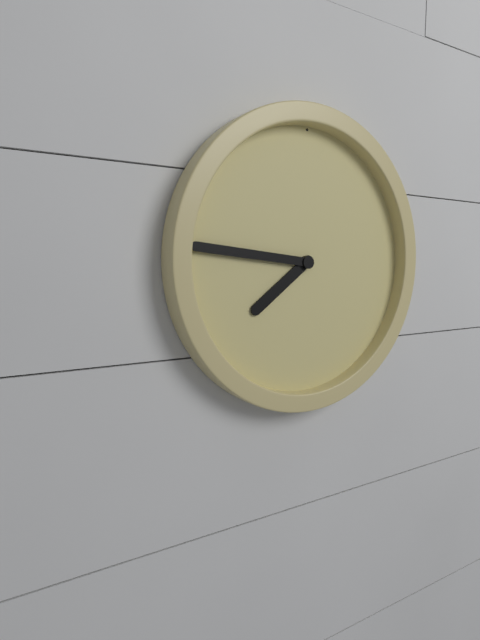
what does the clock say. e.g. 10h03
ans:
7h46
